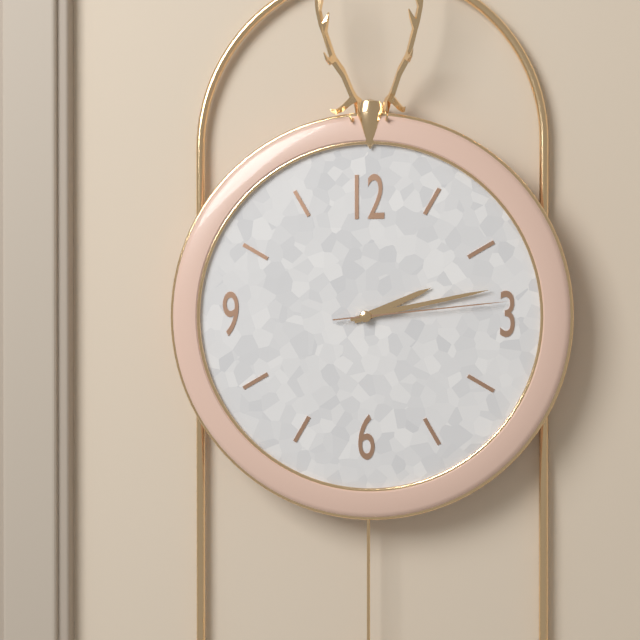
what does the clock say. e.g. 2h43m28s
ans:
2h13m14s
